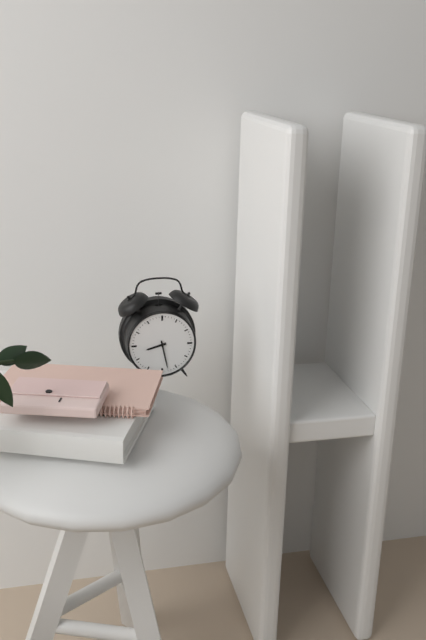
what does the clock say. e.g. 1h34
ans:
8h28
